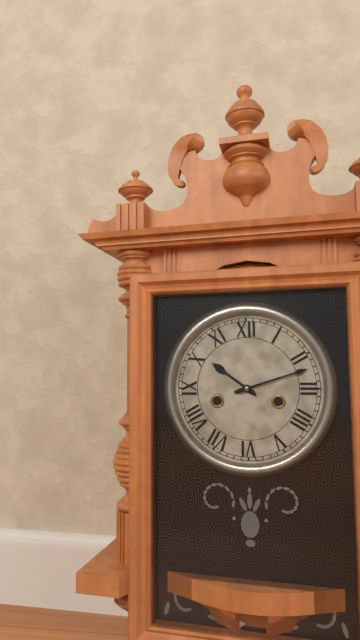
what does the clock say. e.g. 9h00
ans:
10h12
